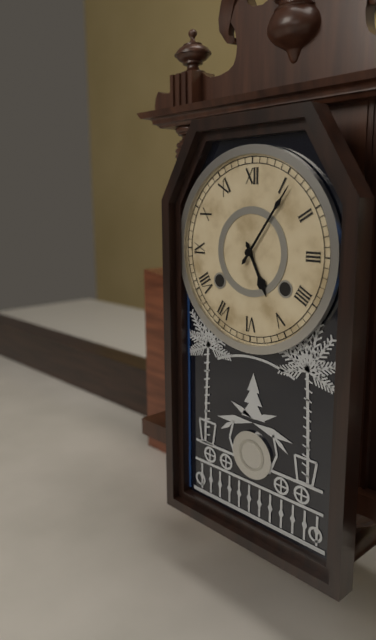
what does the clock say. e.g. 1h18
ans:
5h06
